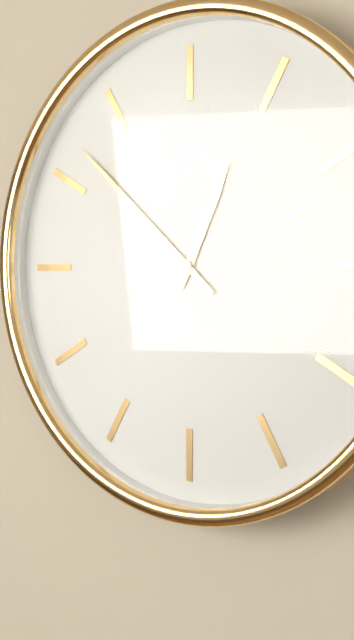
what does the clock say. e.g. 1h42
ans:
12h52
